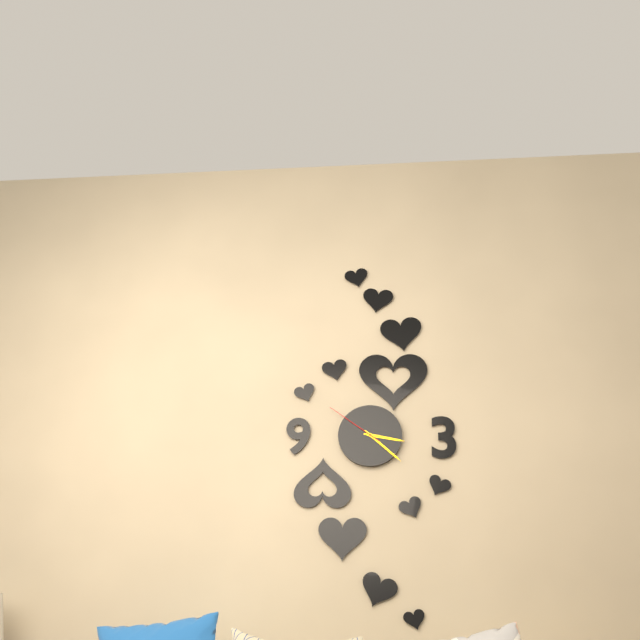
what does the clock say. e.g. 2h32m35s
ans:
3h22m51s
